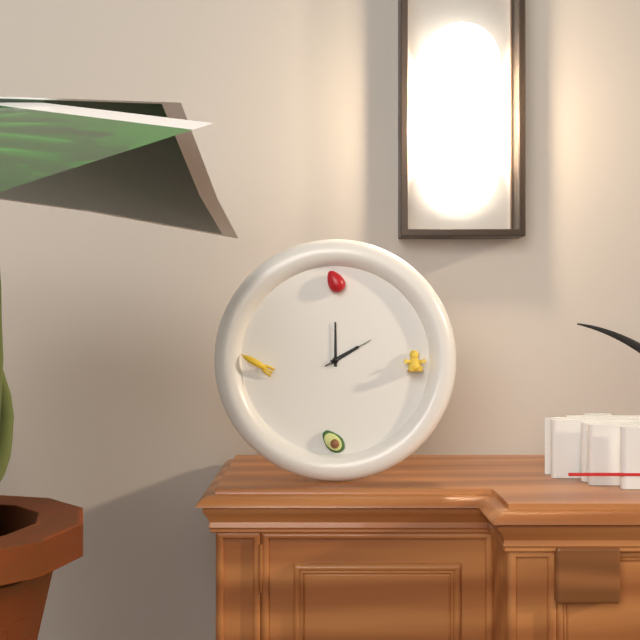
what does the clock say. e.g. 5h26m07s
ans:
2h00m10s
